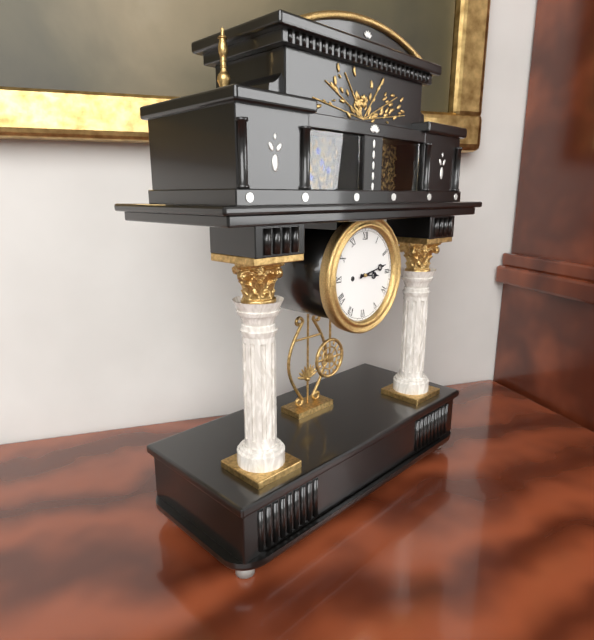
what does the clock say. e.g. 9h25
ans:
3h13
